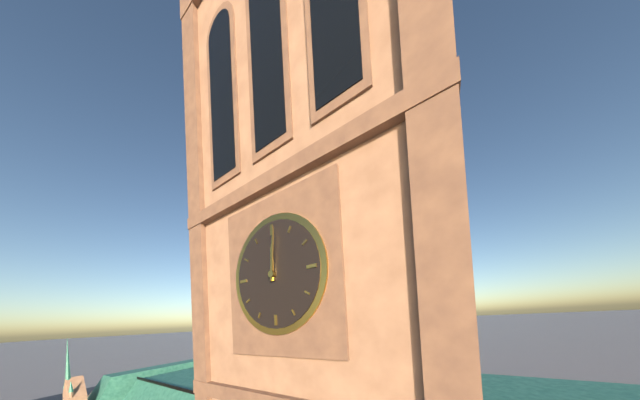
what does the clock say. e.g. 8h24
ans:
12h01
